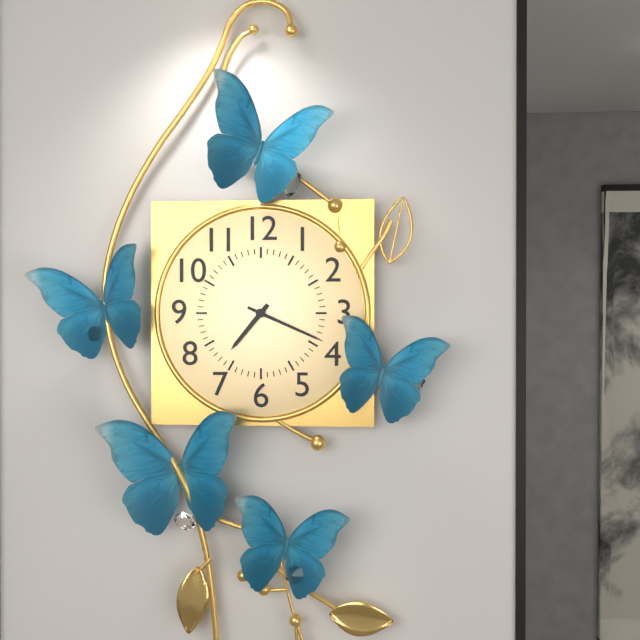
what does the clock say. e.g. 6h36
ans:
7h19
